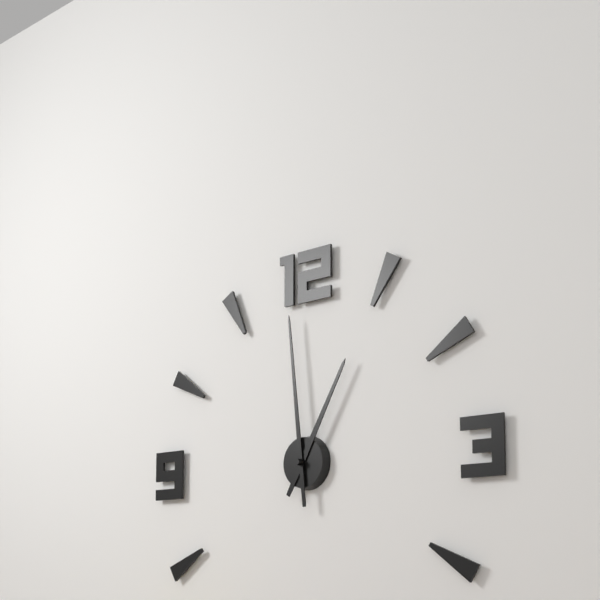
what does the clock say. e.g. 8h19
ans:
12h59
